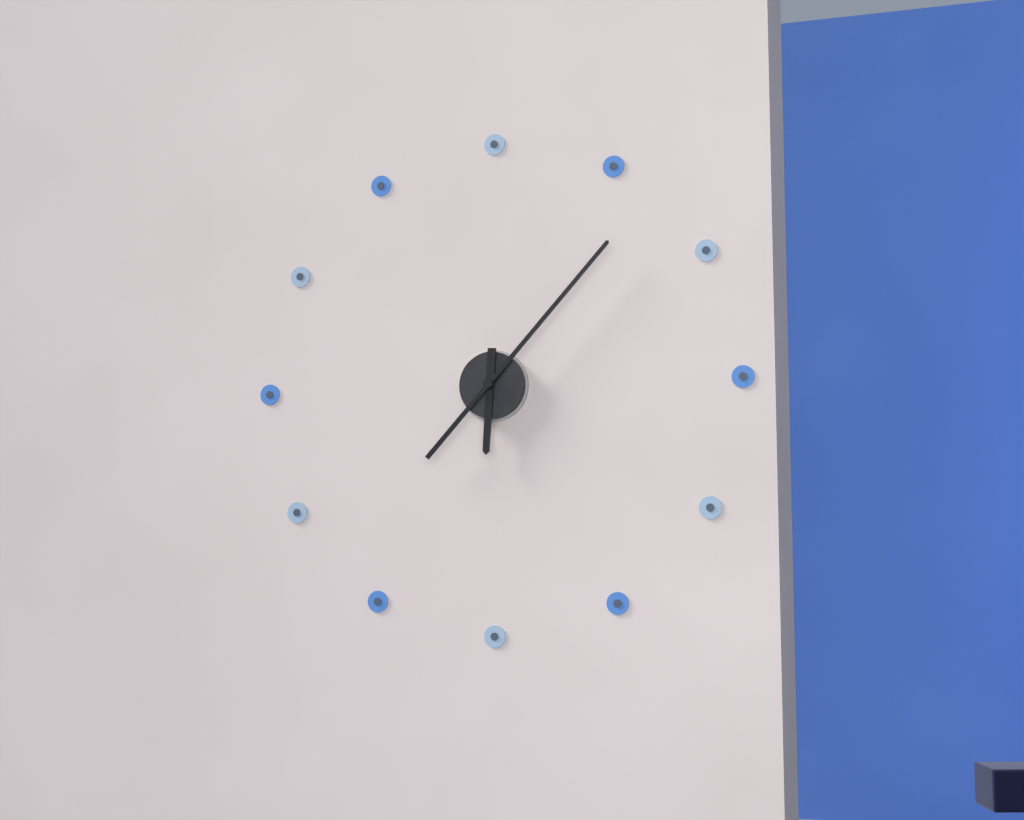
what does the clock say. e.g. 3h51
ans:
6h07
